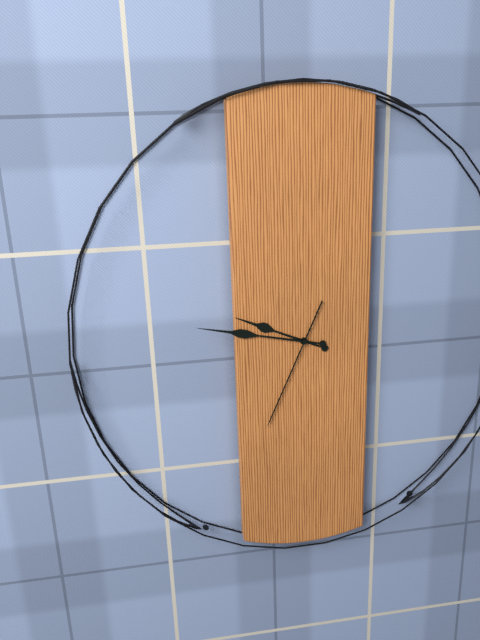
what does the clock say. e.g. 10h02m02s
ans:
9h47m34s
